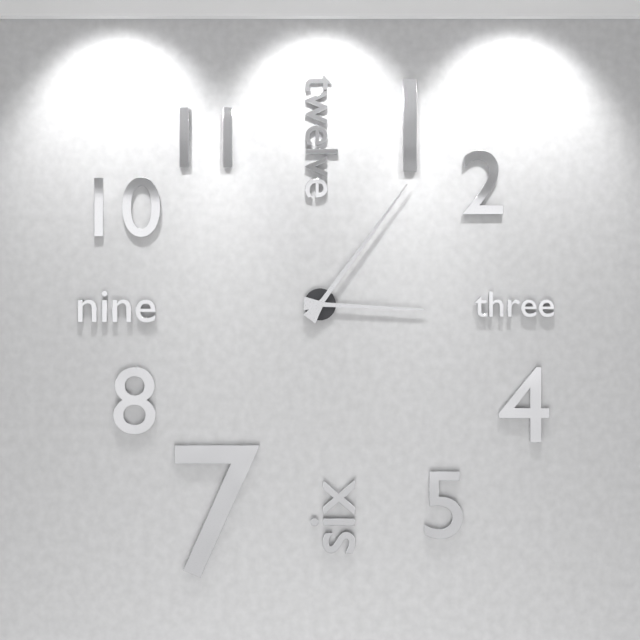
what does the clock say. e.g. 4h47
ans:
3h06
